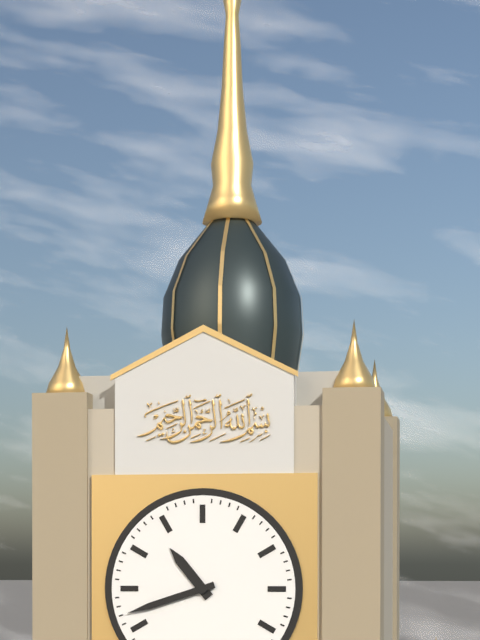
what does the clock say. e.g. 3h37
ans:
10h42
